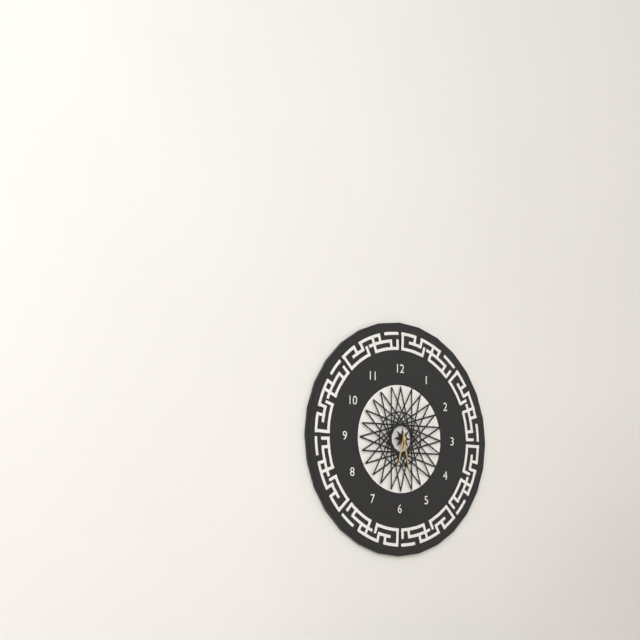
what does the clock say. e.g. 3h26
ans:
6h28
